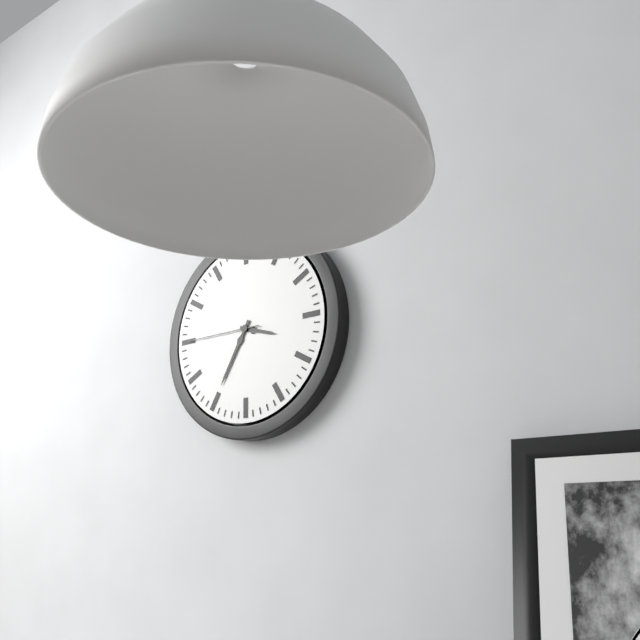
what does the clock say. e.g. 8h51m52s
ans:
3h35m45s
